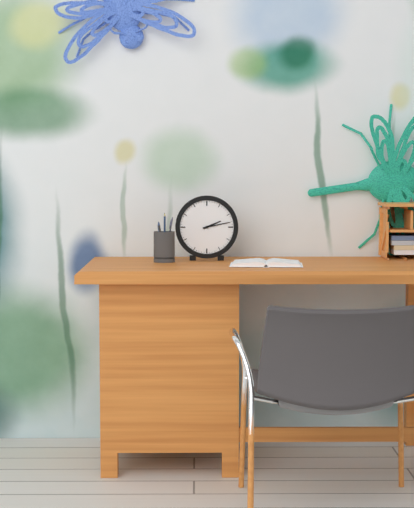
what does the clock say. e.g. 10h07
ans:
2h13
